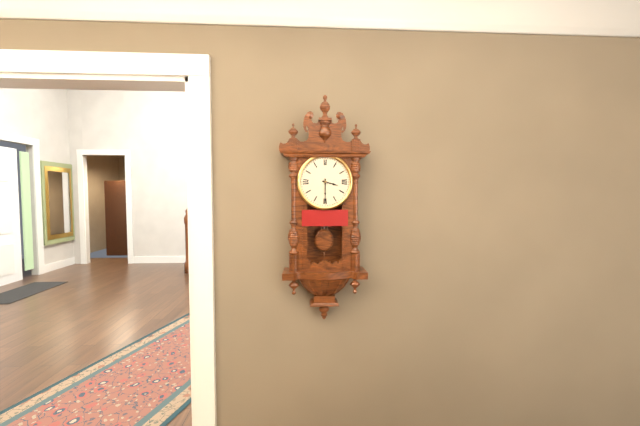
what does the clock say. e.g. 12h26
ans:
3h30
